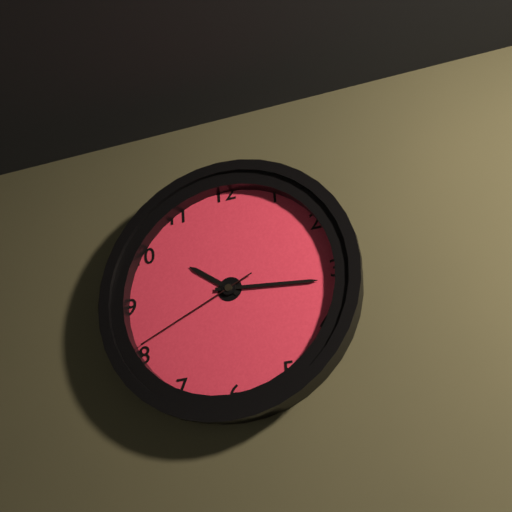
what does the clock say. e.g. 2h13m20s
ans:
10h16m41s
